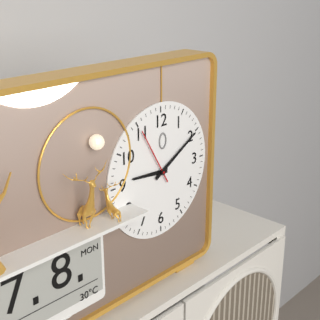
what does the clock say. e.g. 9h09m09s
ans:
9h10m55s
